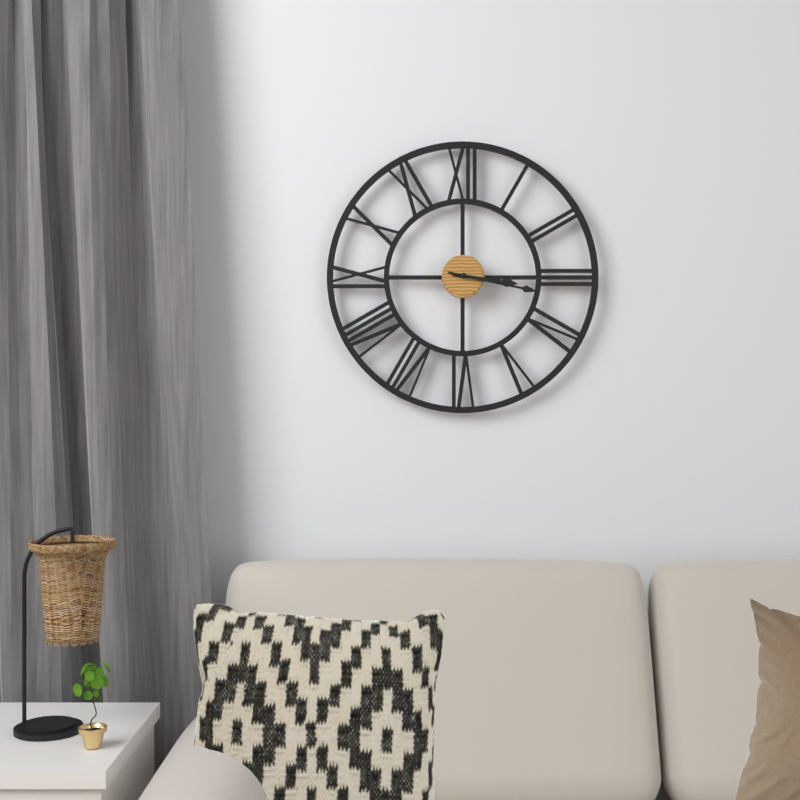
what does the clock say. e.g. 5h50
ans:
3h17
